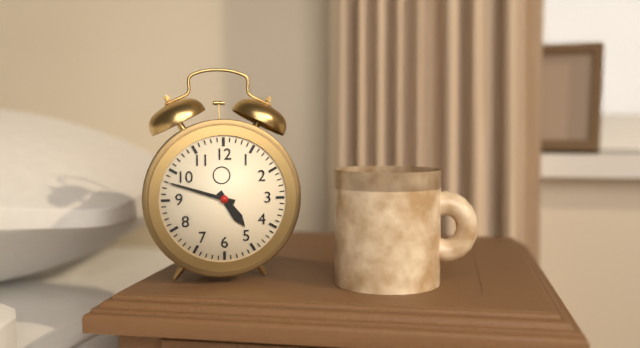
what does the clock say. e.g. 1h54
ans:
4h48
